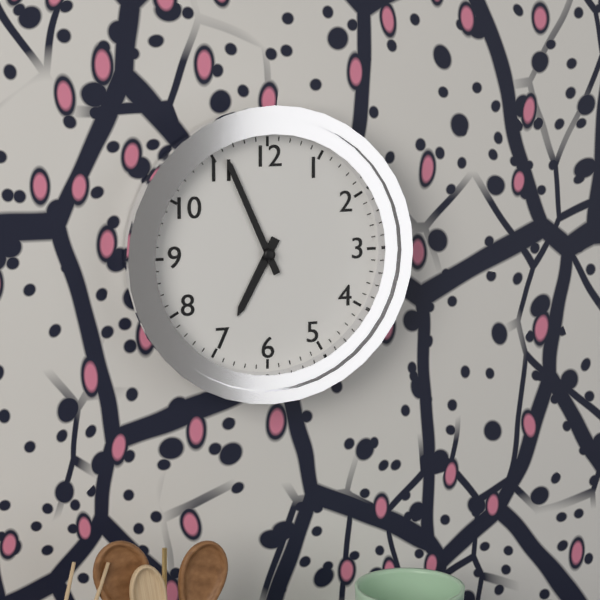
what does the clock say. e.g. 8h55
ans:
6h56
